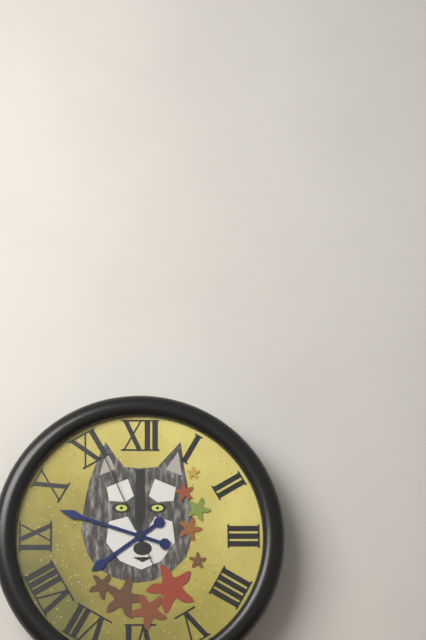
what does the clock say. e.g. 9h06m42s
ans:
7h48m56s
